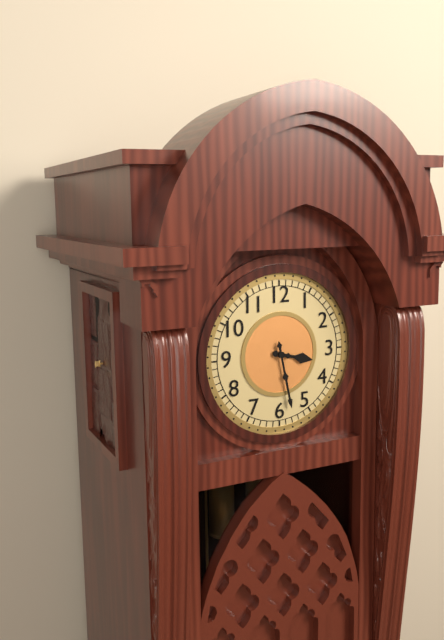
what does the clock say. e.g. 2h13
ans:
3h28
